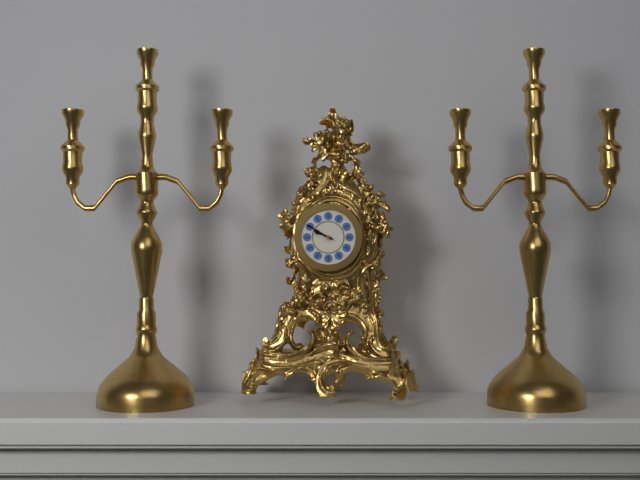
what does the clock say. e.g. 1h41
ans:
9h50
